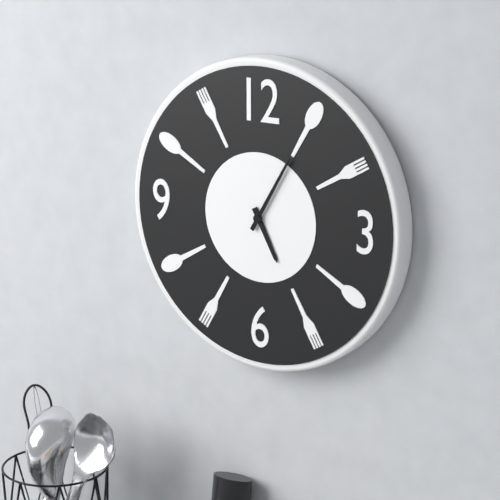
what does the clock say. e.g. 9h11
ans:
5h05
